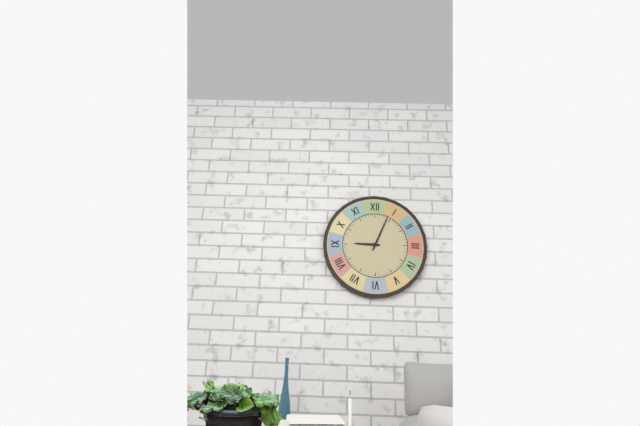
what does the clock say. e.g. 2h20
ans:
9h04
